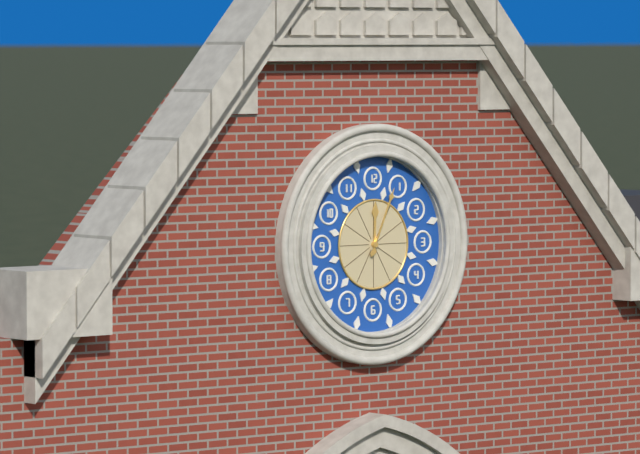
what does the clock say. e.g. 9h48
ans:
12h04
